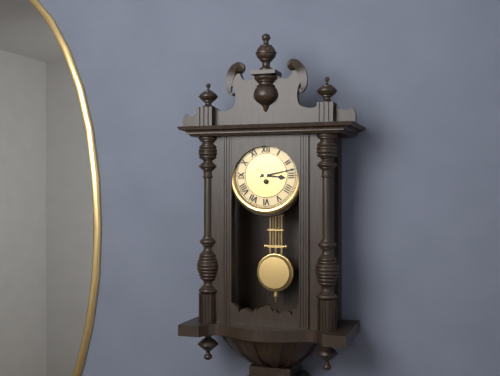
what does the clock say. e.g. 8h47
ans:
3h13
